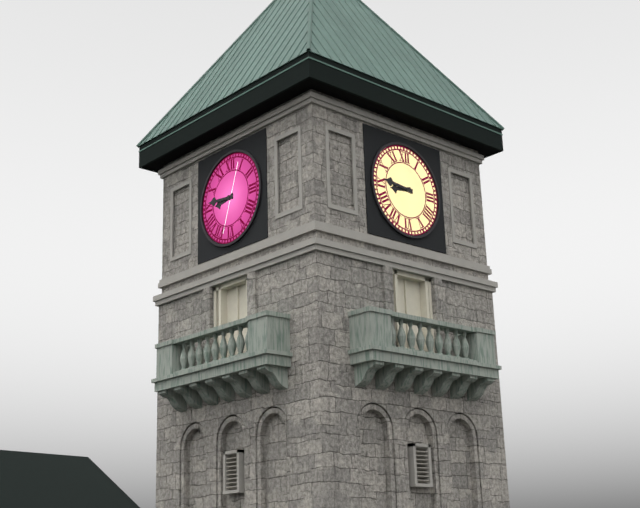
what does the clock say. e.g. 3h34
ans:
8h46
